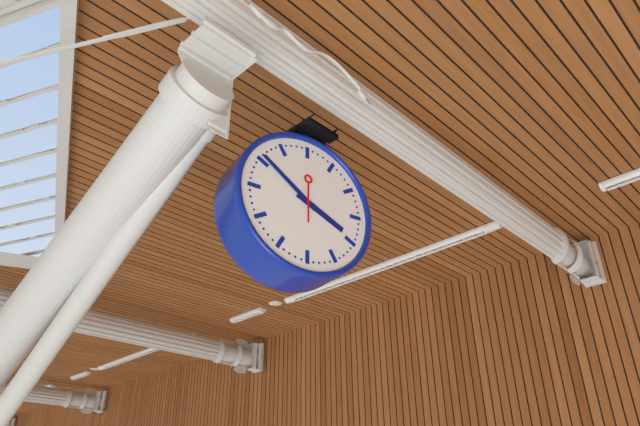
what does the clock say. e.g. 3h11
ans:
3h51
